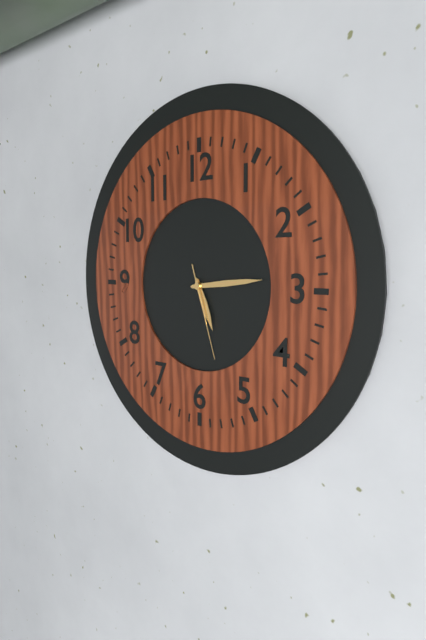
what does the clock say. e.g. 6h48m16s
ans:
5h14m27s
